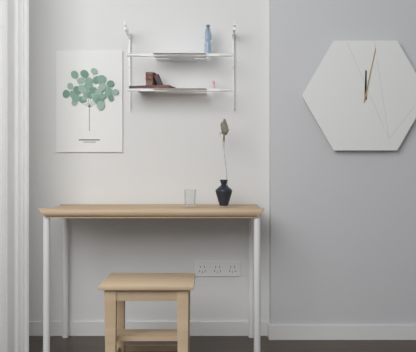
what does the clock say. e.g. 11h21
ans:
12h02
